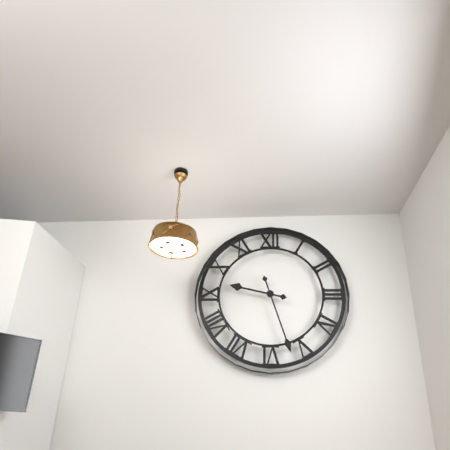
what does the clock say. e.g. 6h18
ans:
9h27
